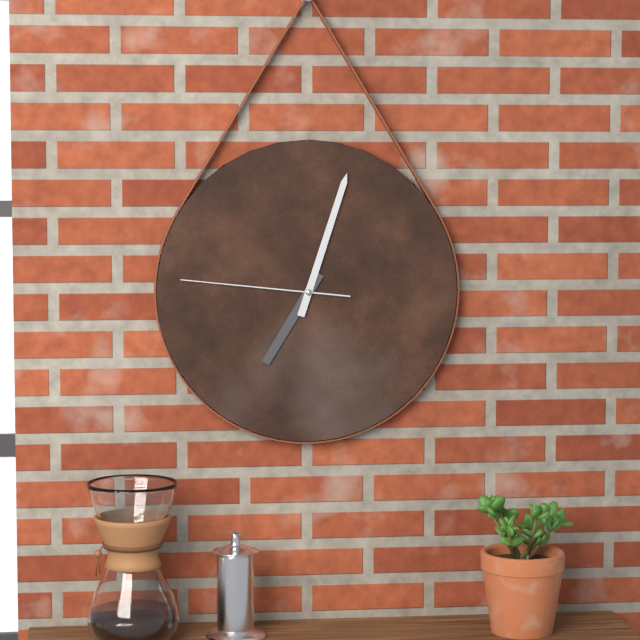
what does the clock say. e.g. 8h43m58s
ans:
7h03m46s
